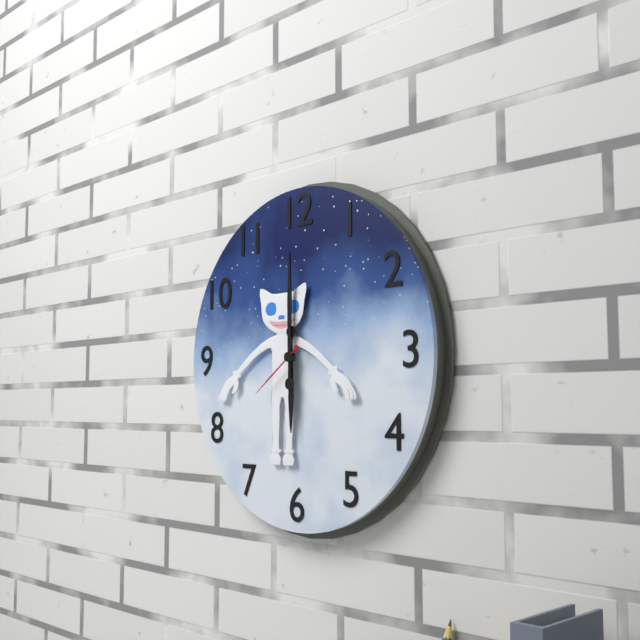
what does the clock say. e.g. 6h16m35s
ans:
6h00m39s
